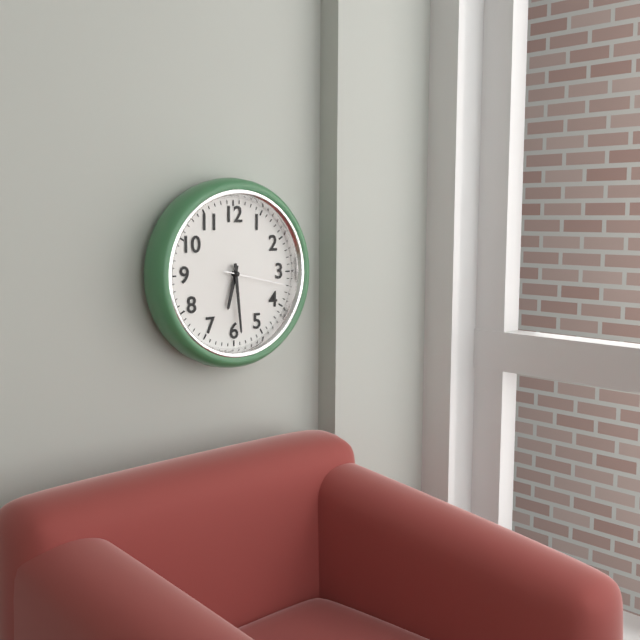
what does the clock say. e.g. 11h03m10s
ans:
6h29m17s
